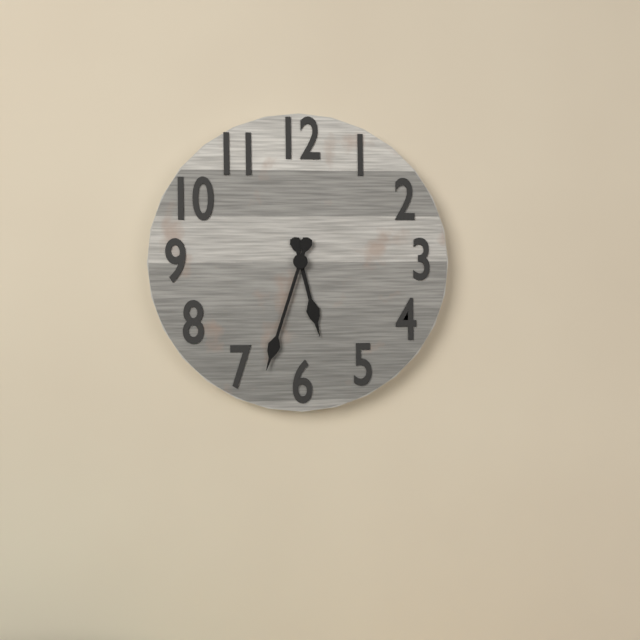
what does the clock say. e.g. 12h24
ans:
5h33
